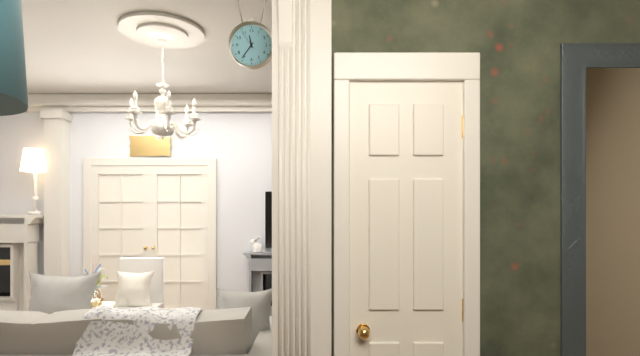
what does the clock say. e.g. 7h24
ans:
11h36
